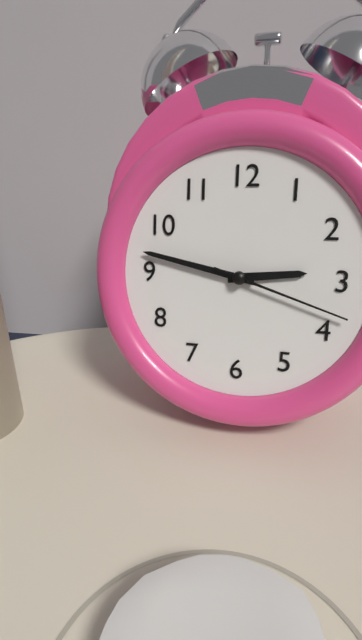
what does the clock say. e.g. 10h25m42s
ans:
2h47m18s
